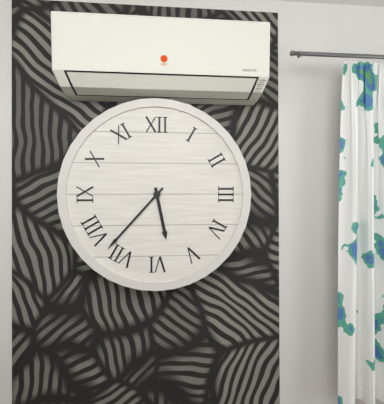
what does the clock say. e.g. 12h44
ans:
5h37
